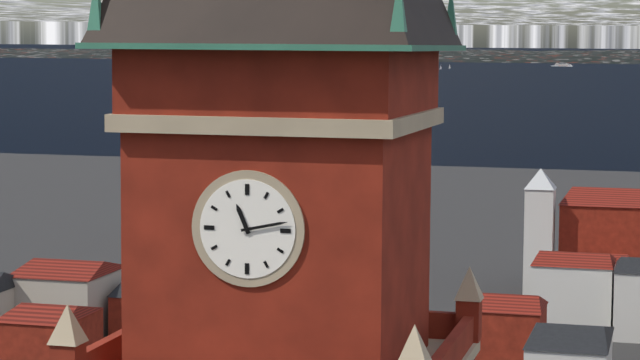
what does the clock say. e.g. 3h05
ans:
11h13
